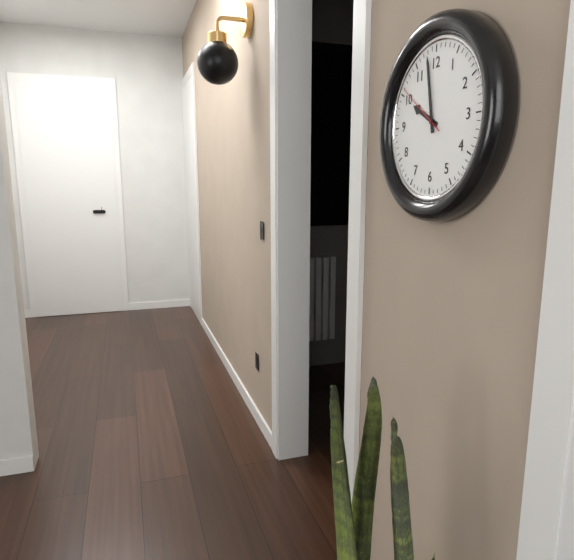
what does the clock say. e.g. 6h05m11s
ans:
9h58m51s
